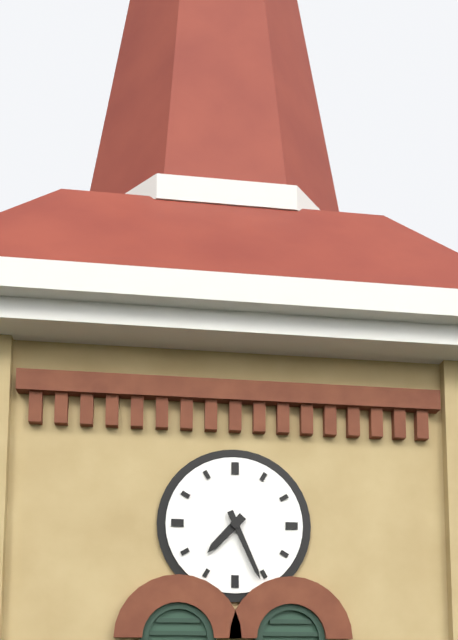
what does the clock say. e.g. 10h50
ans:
7h26
